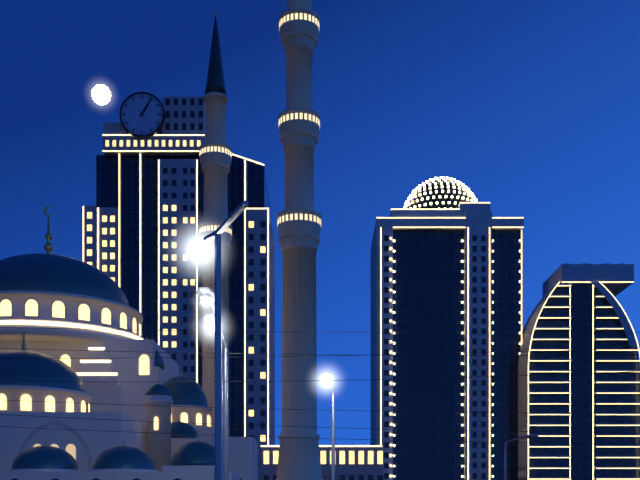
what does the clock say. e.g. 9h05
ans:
1h05
